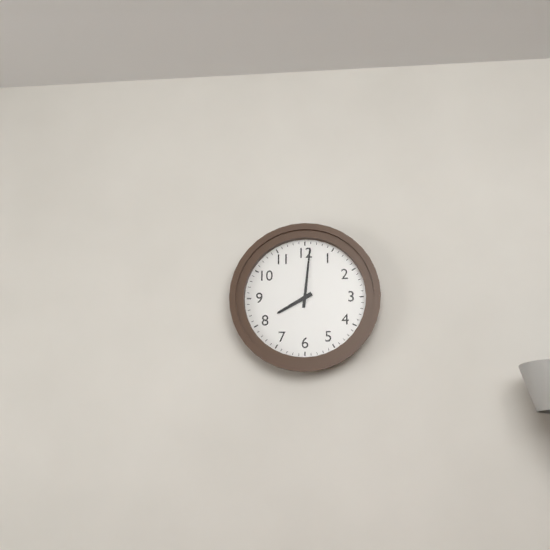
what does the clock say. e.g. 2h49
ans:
8h01
